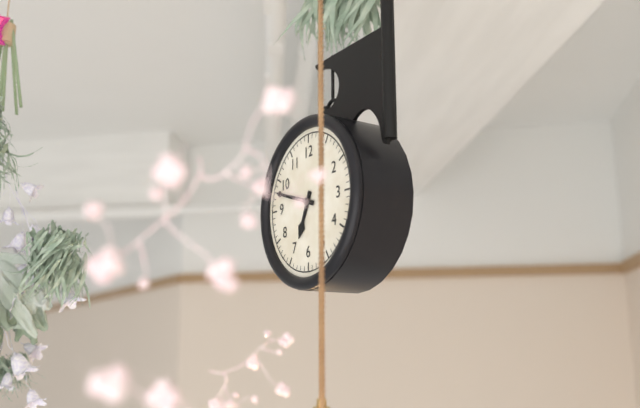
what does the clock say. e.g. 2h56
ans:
6h48
